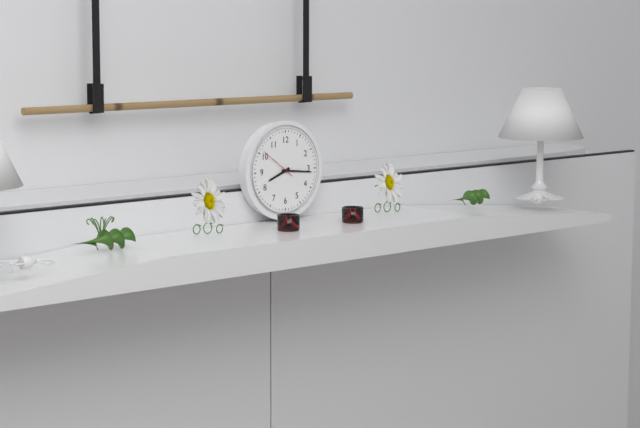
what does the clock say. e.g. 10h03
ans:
8h16
